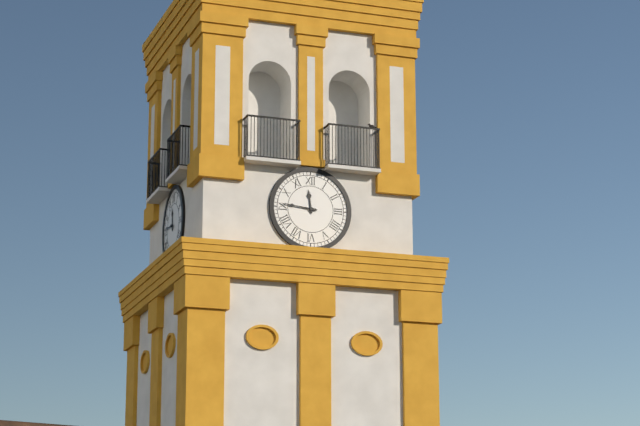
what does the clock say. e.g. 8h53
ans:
11h46
